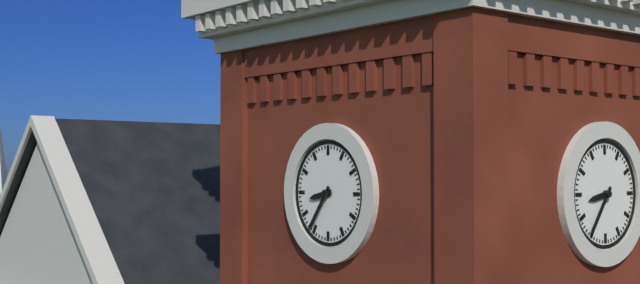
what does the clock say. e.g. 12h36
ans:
8h36
